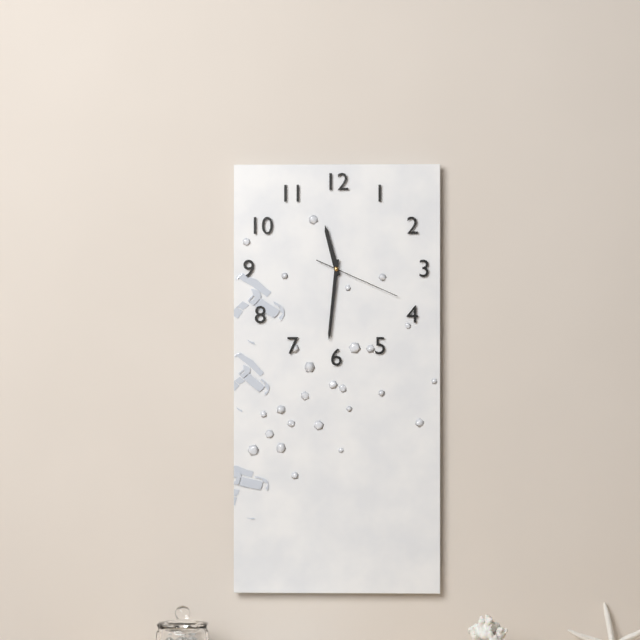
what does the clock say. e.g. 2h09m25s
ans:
11h31m19s
